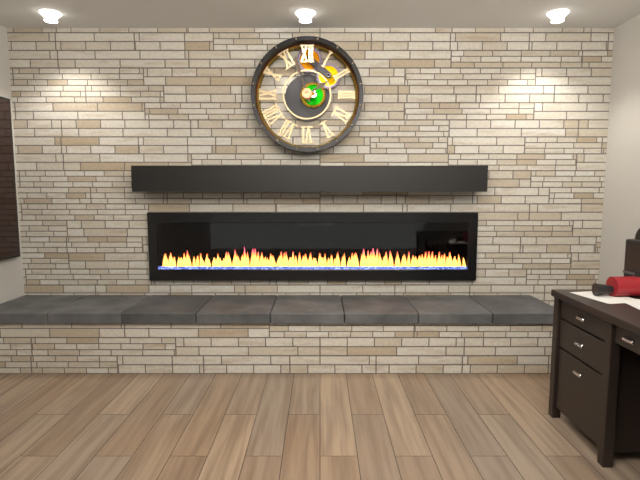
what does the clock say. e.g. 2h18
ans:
1h57
